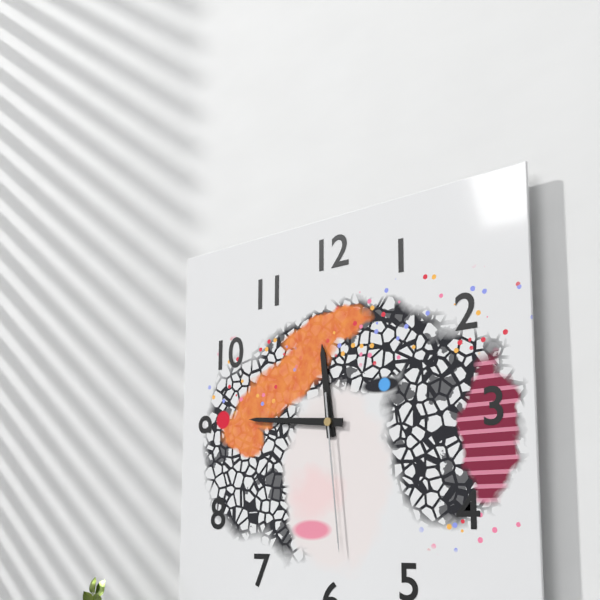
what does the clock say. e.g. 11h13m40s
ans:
11h46m29s
